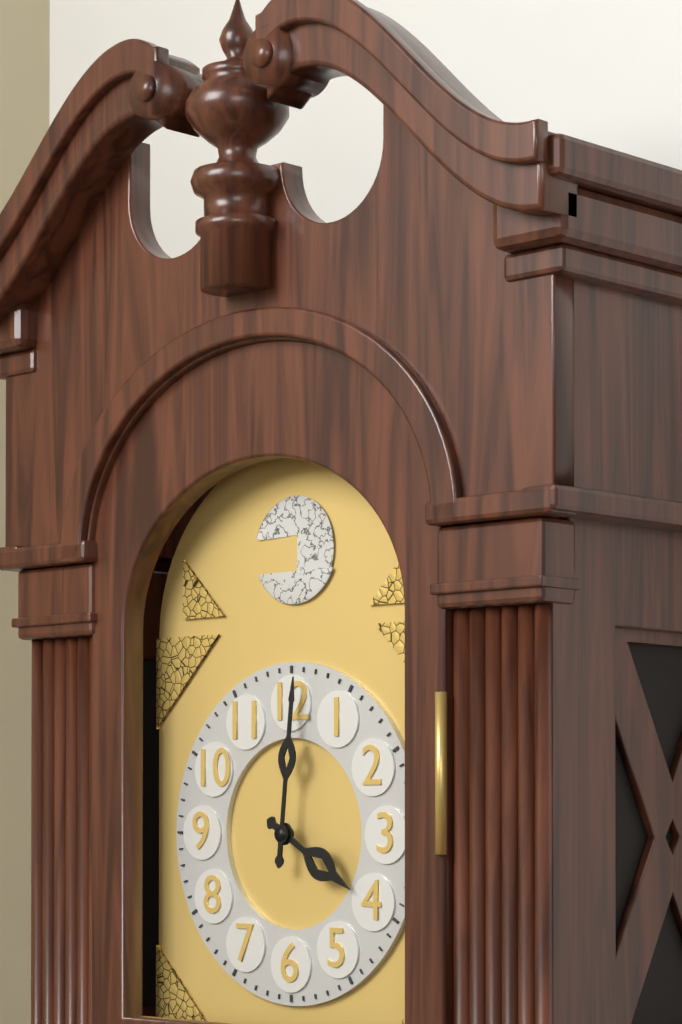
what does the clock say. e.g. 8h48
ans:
4h01
